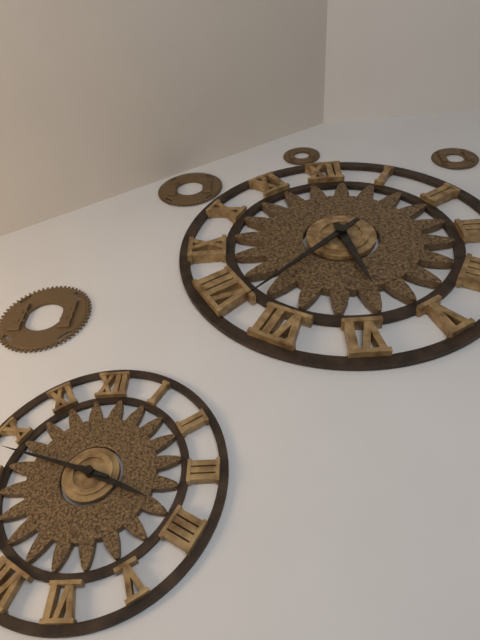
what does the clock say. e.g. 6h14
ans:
5h38
